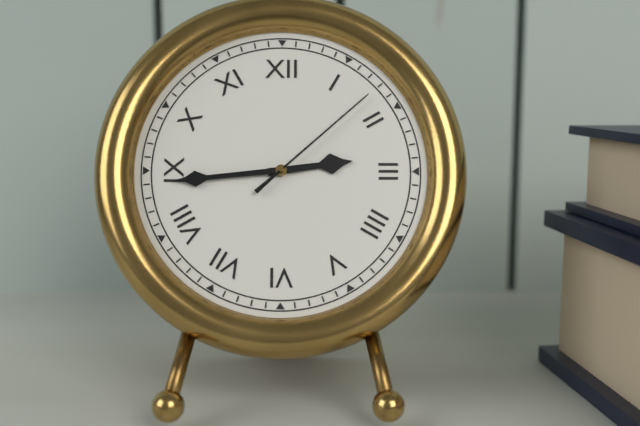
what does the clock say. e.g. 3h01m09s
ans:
2h44m08s
